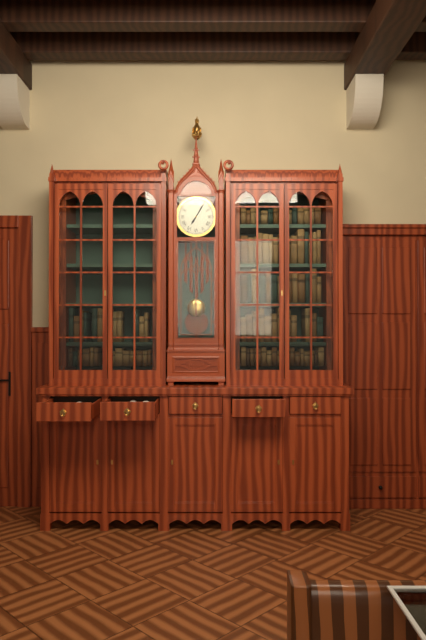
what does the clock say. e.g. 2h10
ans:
7h05
